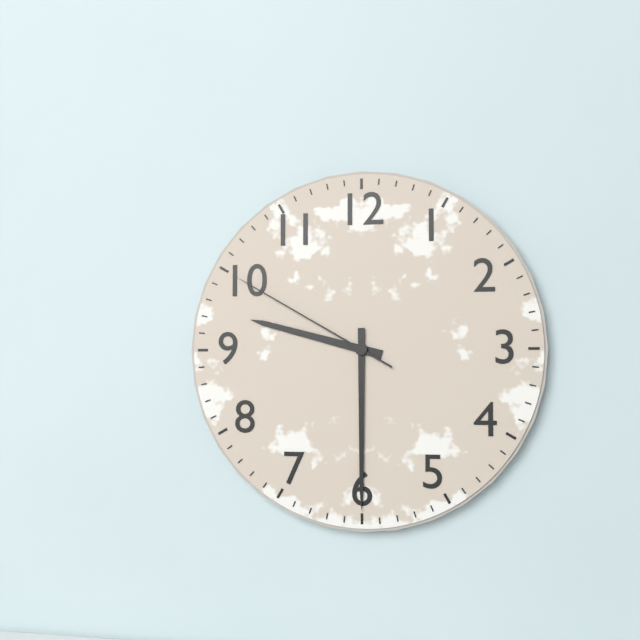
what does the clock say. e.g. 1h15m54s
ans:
9h30m50s
